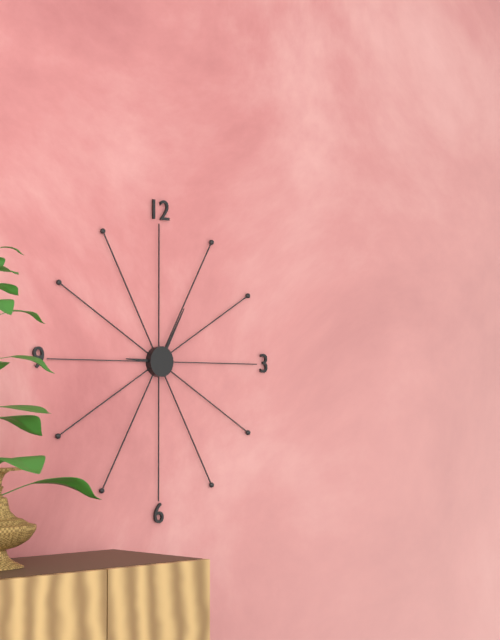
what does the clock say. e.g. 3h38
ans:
9h05
